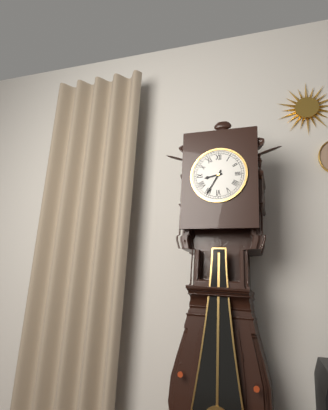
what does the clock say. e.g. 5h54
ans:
8h35
